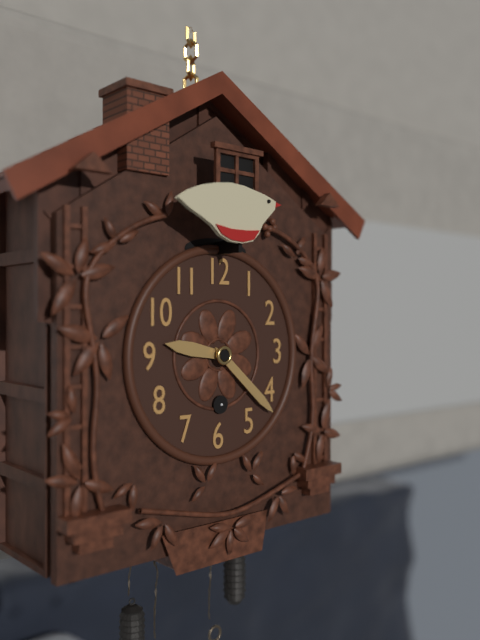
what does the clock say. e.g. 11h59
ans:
9h22
